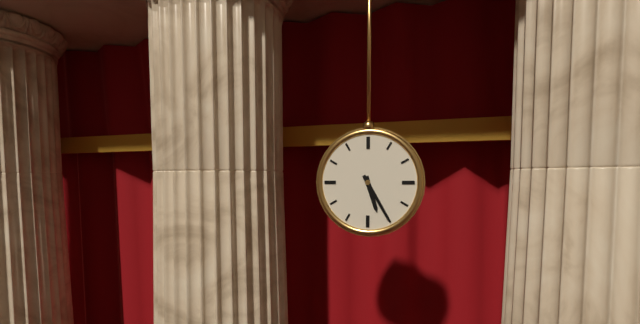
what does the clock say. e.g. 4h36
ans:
5h25
